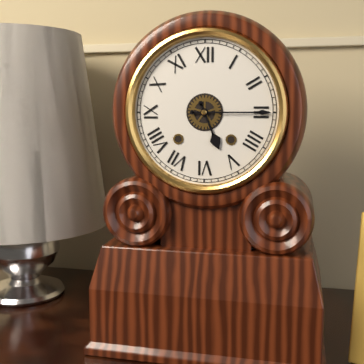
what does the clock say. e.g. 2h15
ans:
5h15
